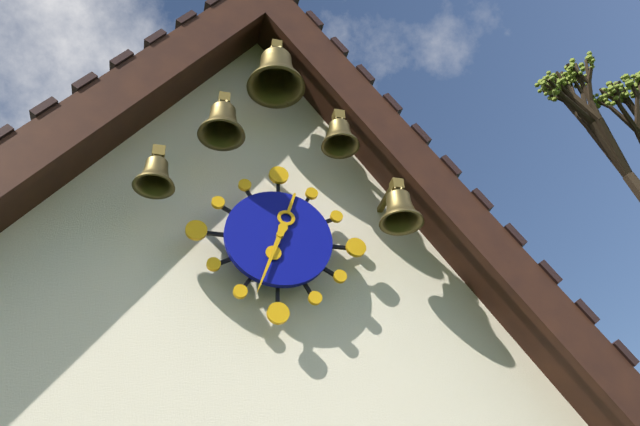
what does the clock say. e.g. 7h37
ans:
12h33
